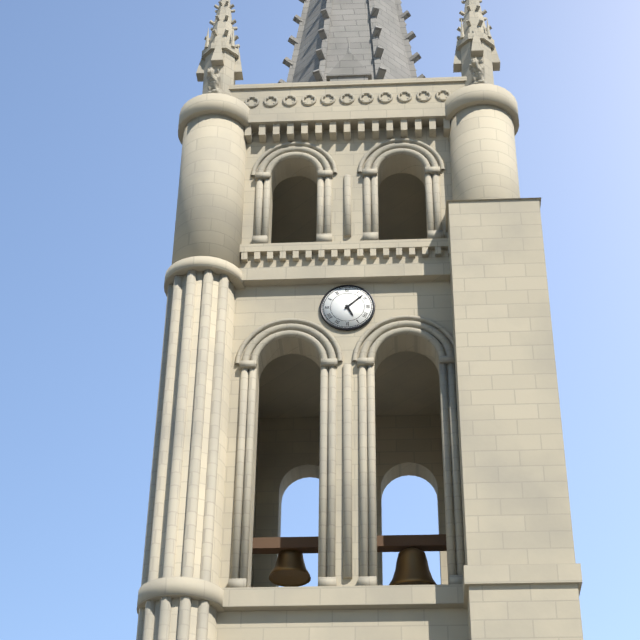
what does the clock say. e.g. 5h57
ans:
5h08
